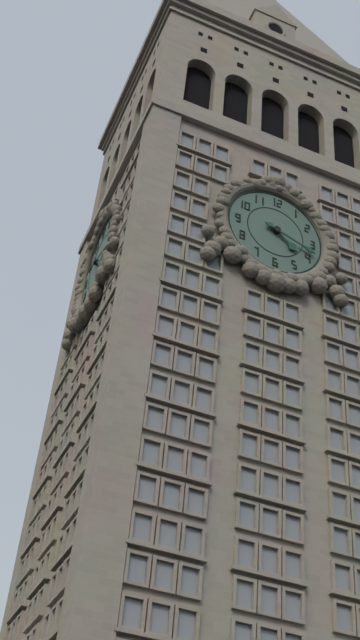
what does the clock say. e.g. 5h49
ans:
4h18
